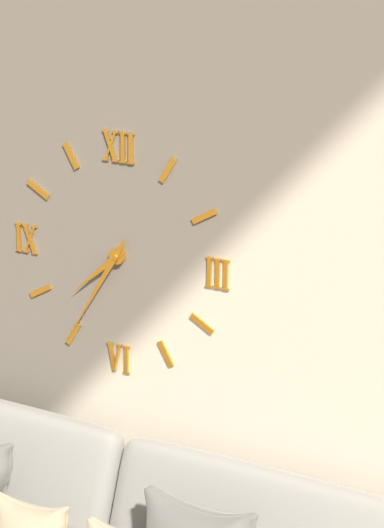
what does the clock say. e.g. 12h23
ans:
7h35
